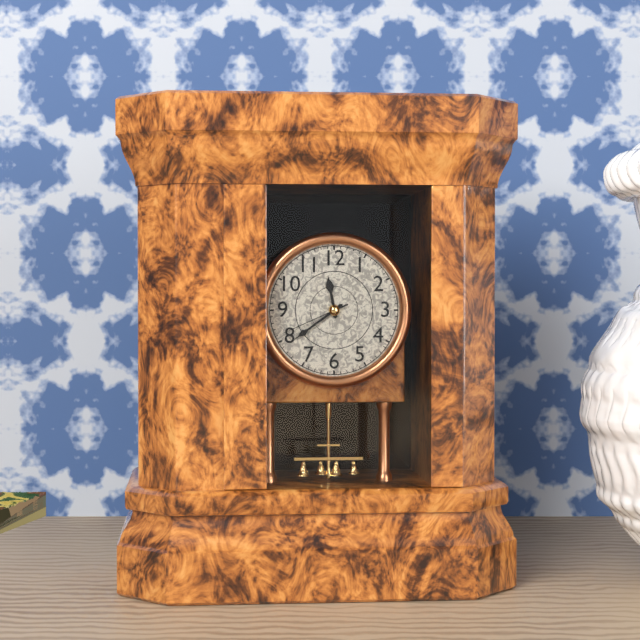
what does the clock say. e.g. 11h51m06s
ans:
11h39m41s
